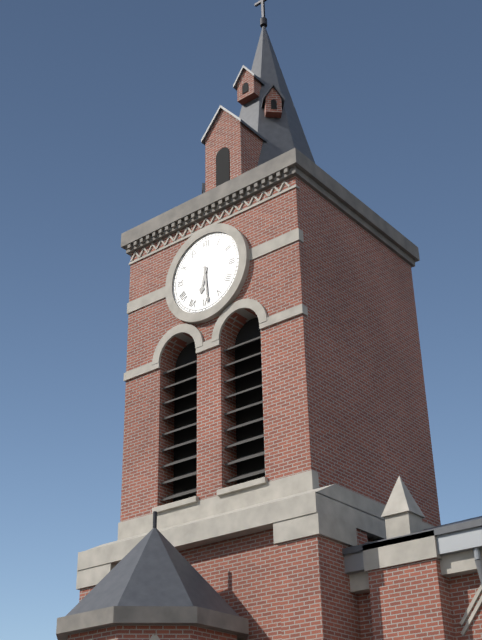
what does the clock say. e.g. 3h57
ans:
6h29
